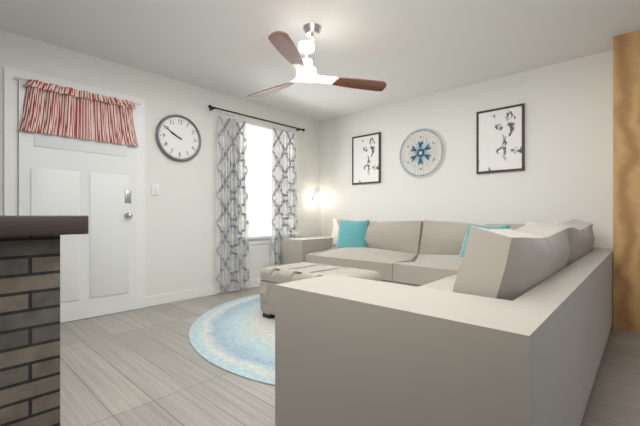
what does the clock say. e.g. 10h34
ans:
9h50
